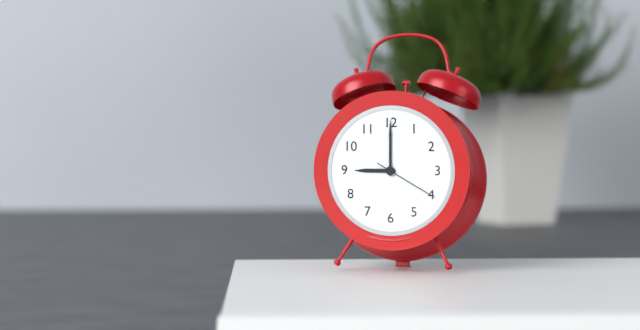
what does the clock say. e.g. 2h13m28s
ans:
9h00m20s
